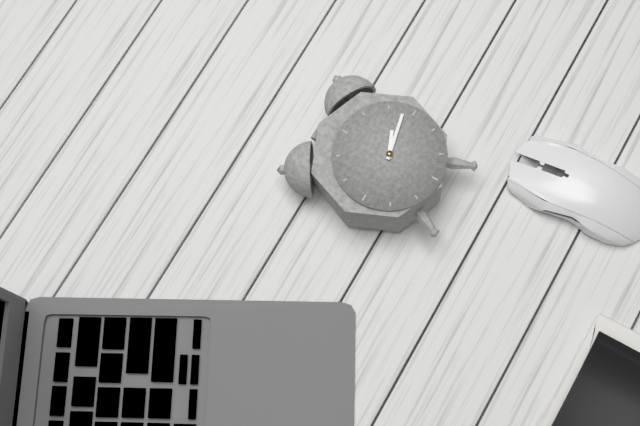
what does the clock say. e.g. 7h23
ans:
2h13
